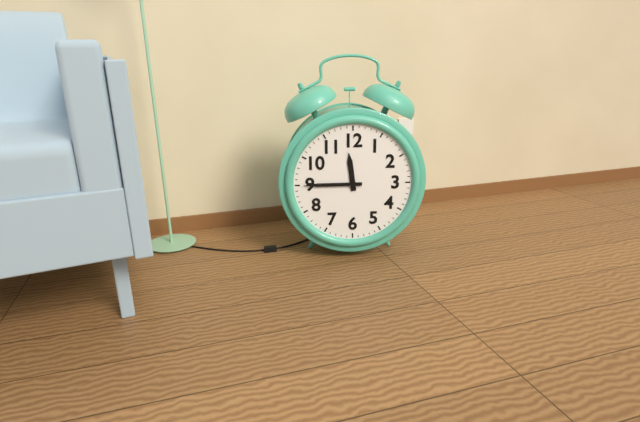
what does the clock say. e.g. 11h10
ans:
11h45
